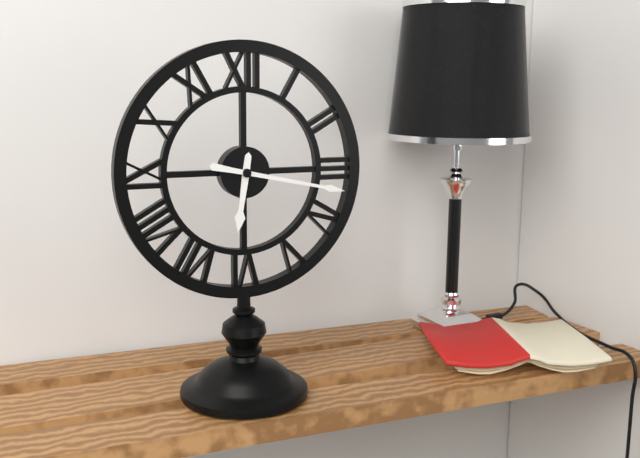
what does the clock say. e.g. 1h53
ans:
6h17
